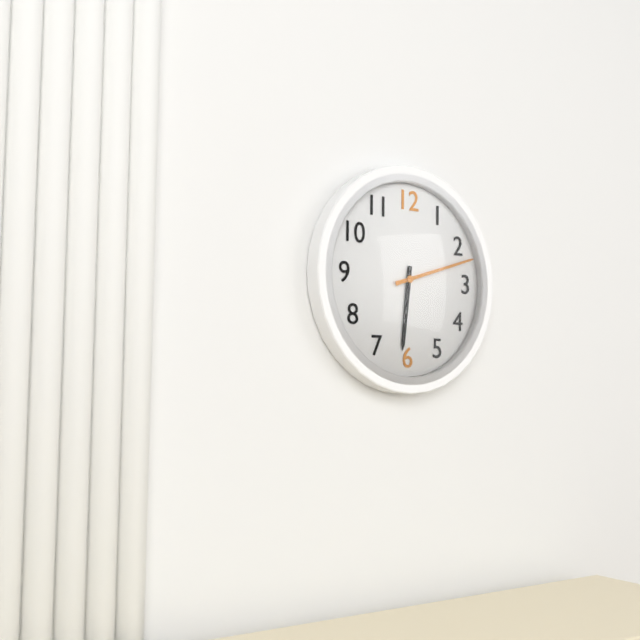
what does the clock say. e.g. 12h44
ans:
6h12
